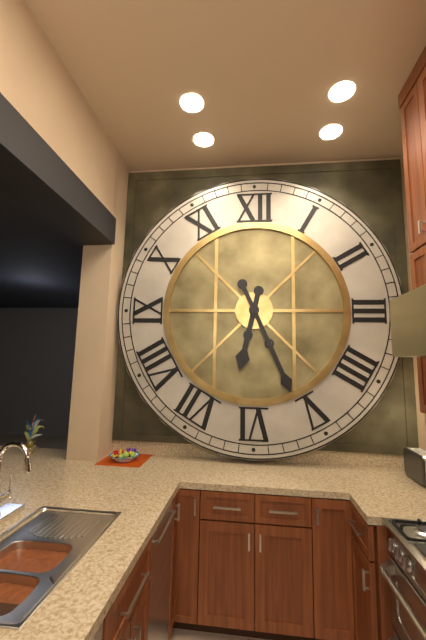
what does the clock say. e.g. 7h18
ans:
6h26
